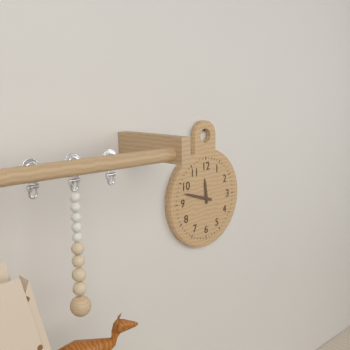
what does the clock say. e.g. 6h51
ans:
11h48
